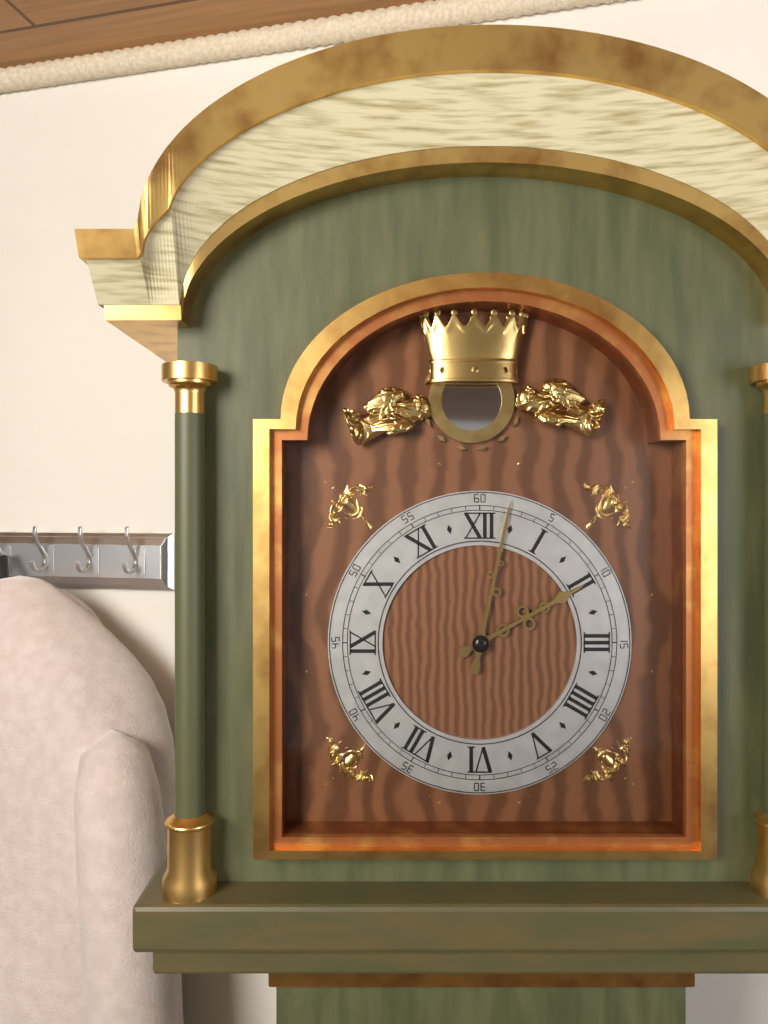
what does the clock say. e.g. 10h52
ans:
2h02
